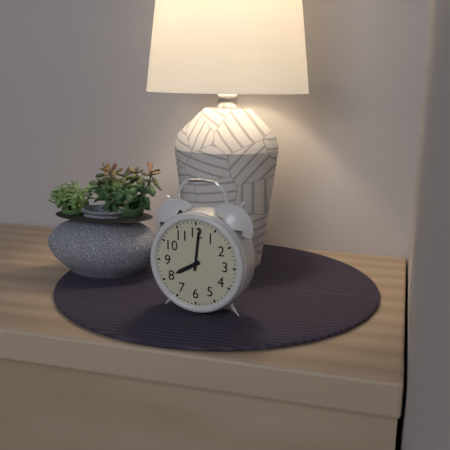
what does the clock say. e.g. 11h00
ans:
8h01
